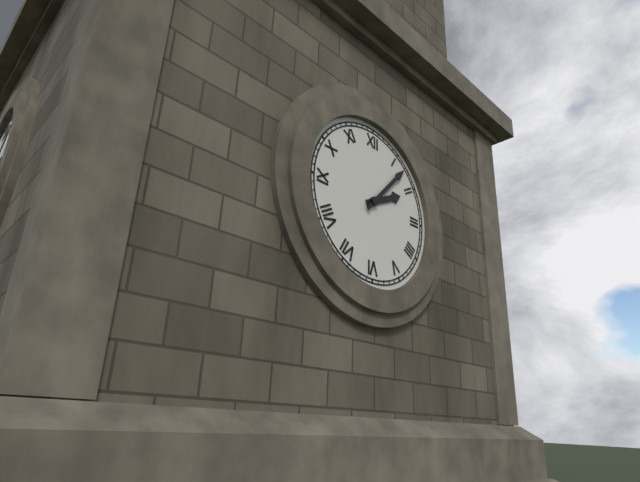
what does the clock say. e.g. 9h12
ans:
2h07
